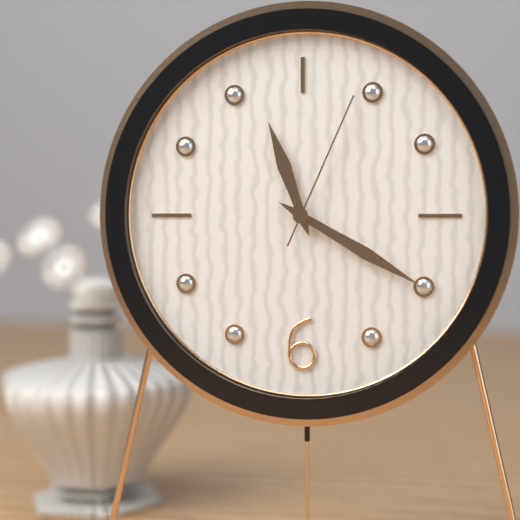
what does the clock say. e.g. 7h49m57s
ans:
11h20m04s
